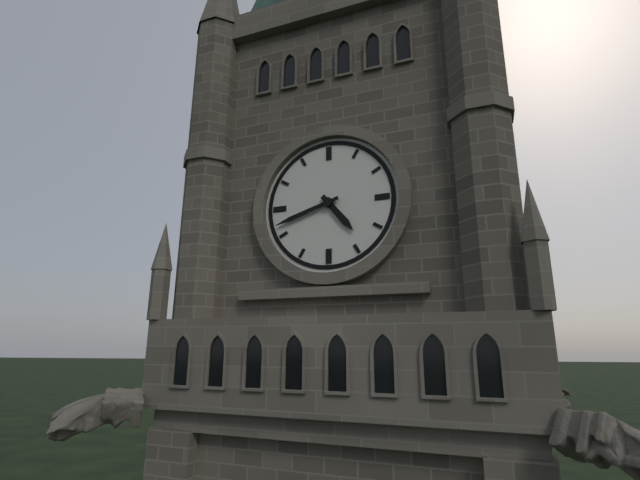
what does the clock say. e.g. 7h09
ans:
4h42
